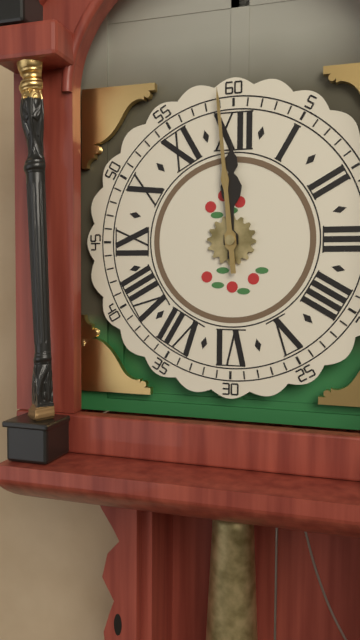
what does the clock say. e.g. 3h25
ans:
11h59
